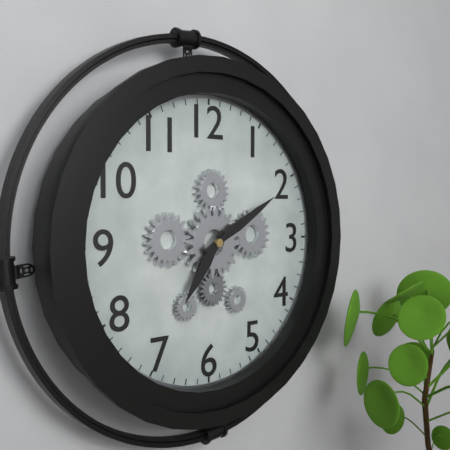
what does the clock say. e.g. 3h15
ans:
7h10
